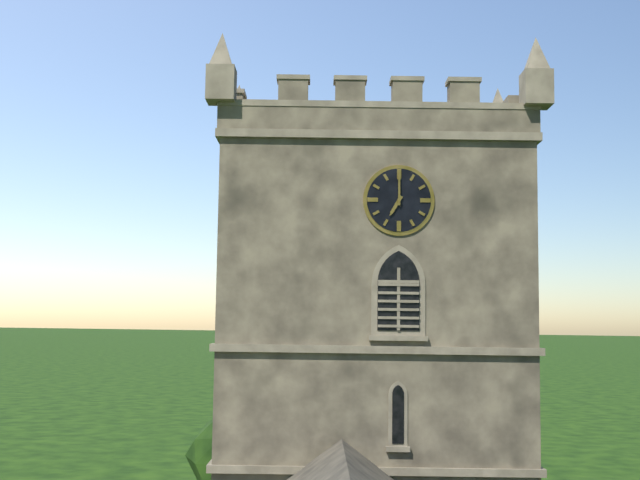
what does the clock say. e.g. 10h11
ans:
7h00
